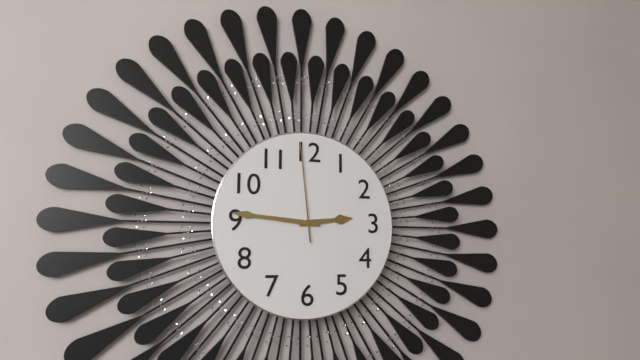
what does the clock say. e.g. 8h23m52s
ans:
2h46m59s
